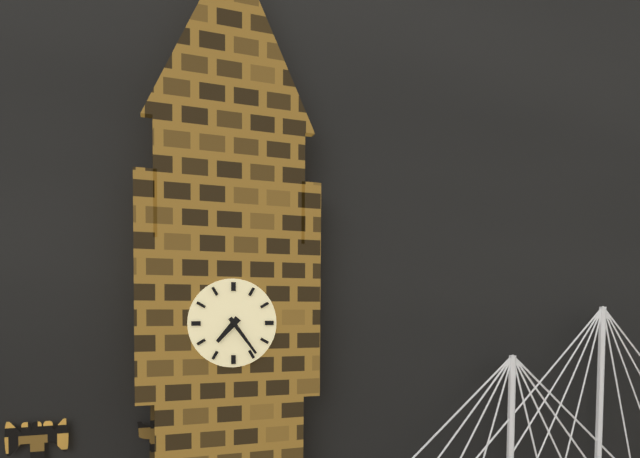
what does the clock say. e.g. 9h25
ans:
7h24
